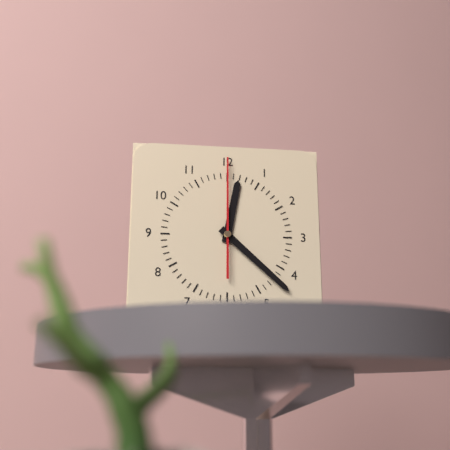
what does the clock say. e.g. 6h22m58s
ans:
12h22m00s
